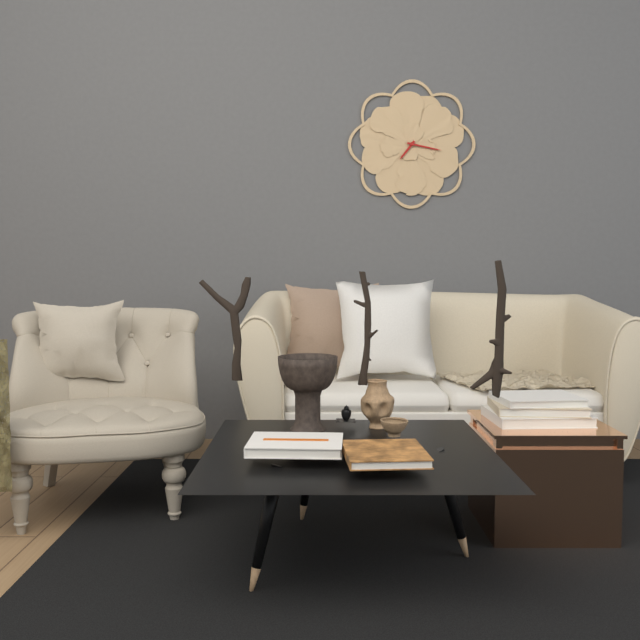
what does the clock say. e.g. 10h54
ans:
7h17
